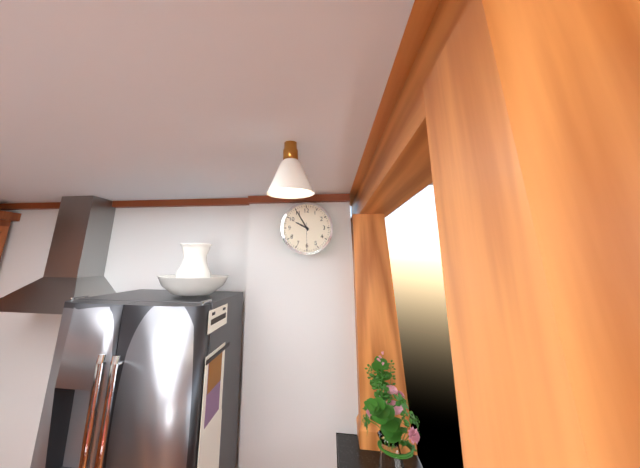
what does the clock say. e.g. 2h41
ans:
9h55
